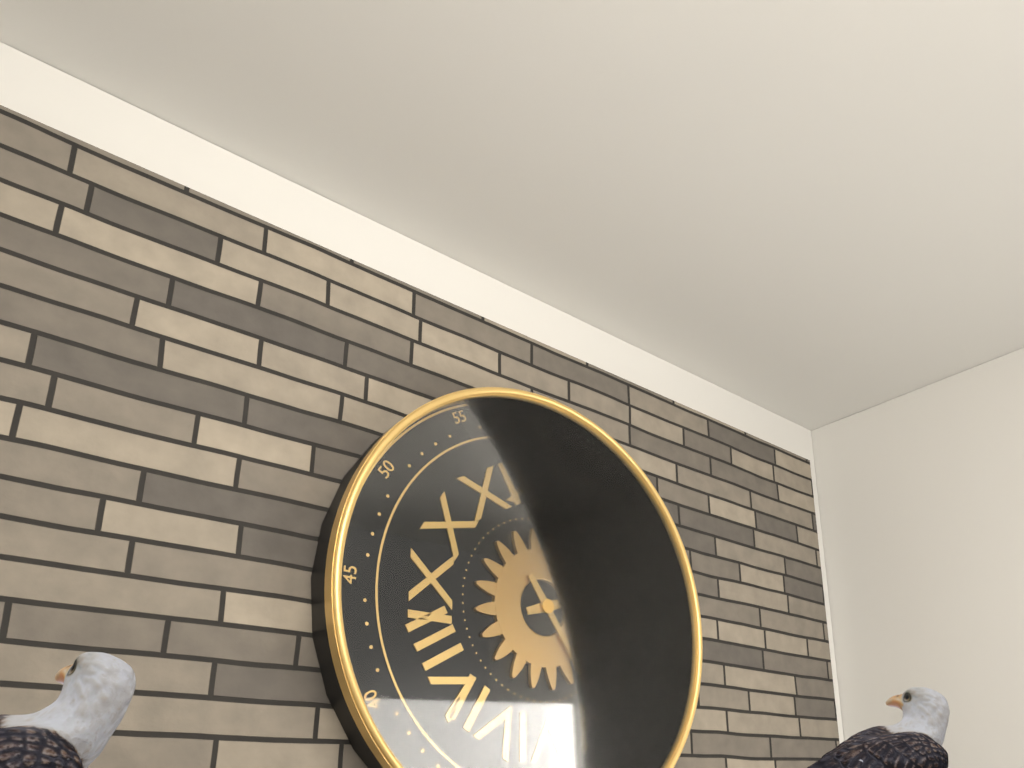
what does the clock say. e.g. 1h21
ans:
2h24
